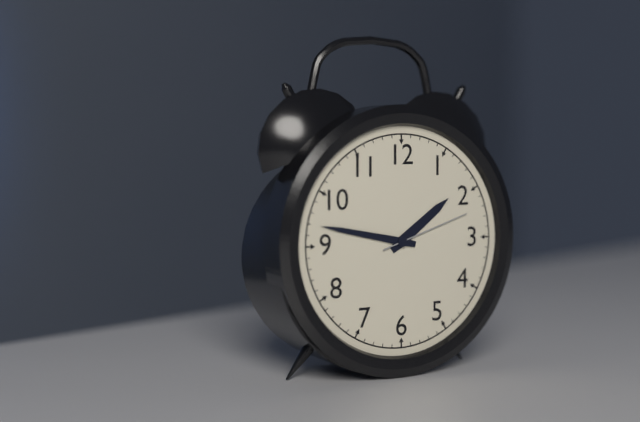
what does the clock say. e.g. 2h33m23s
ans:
1h47m12s
